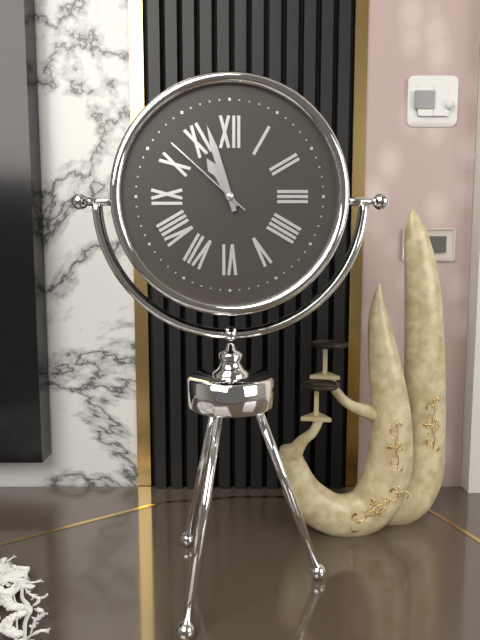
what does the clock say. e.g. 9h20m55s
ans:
10h57m52s
